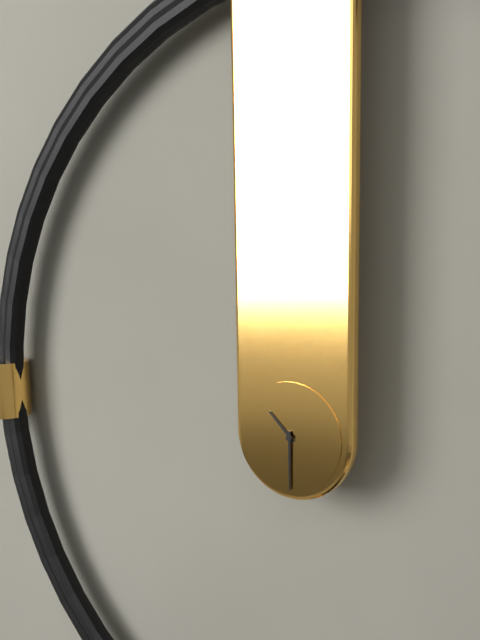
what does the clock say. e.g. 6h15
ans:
10h30
